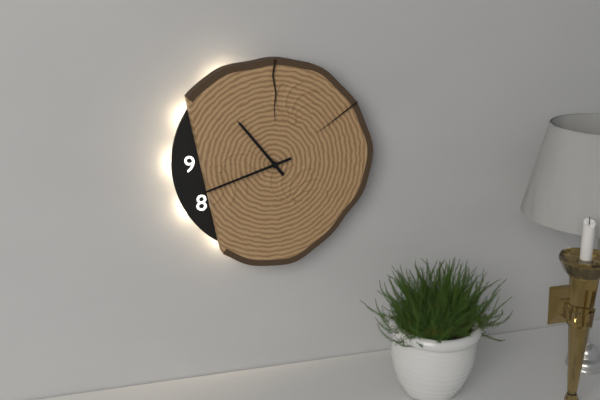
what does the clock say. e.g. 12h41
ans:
10h42
